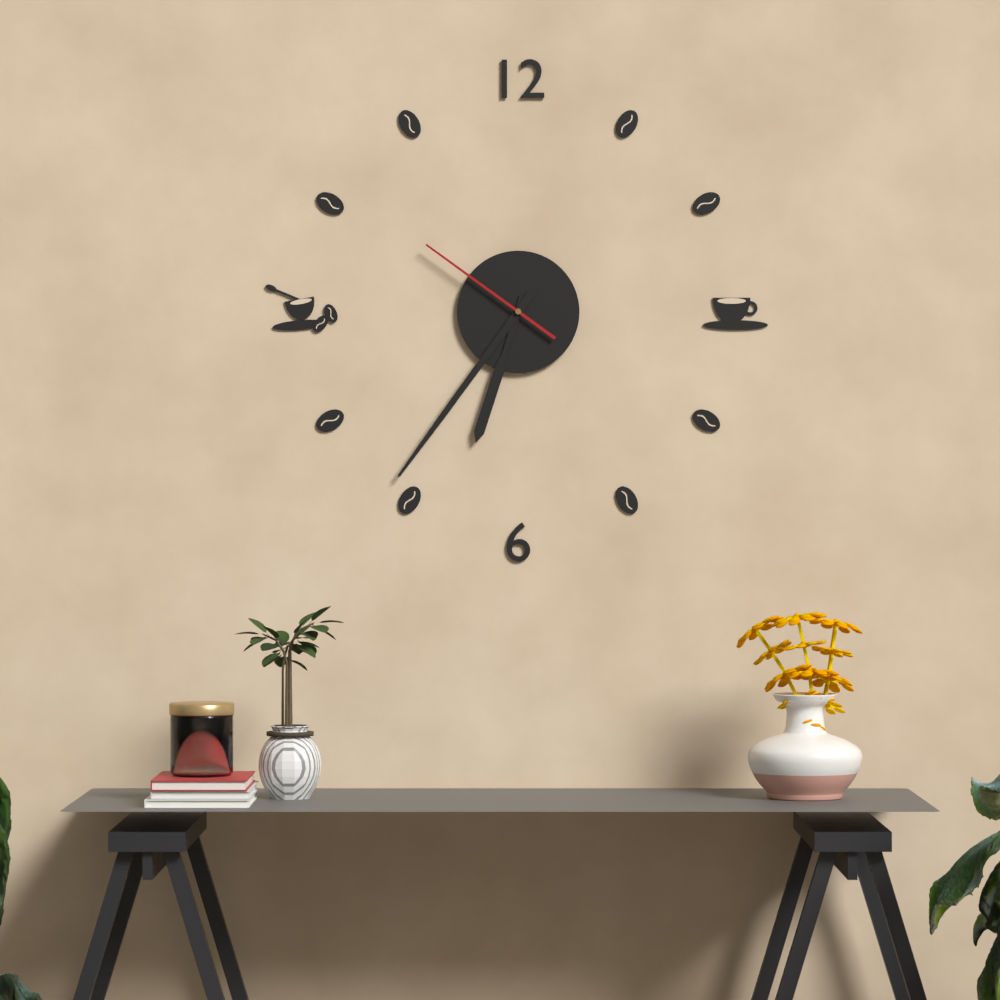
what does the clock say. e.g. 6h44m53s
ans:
6h36m51s
